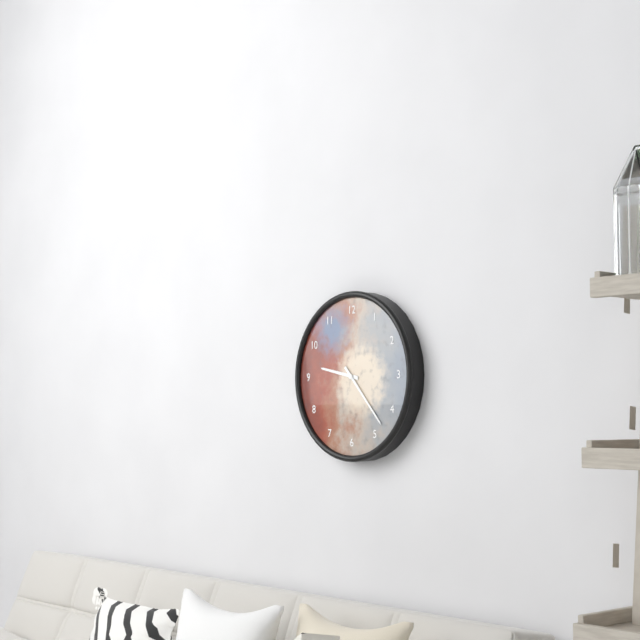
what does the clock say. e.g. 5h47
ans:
9h23
